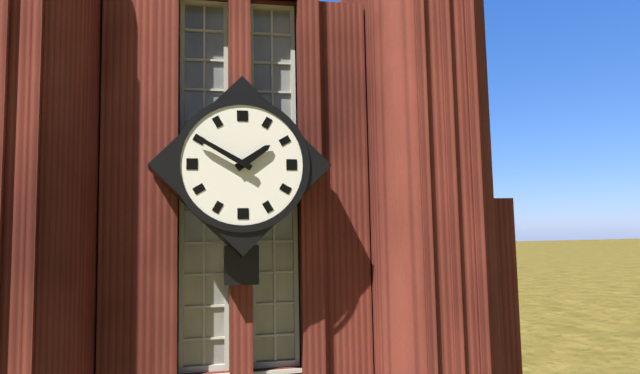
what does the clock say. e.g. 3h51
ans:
1h50
